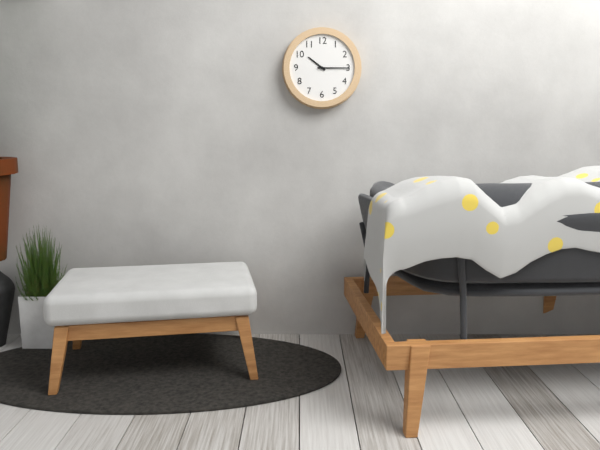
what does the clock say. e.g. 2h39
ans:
10h15
